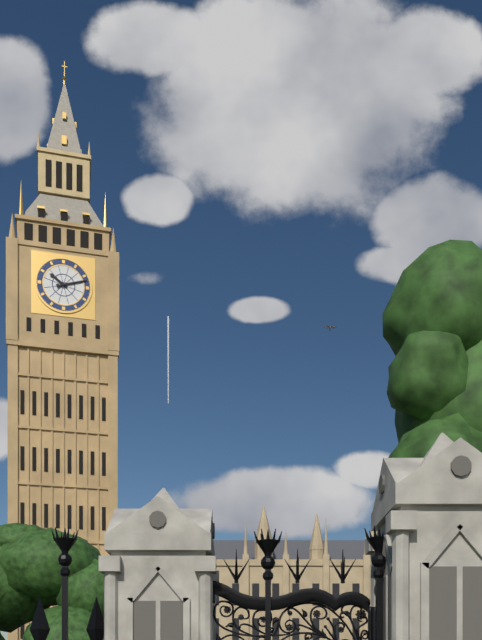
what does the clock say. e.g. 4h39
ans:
10h12
